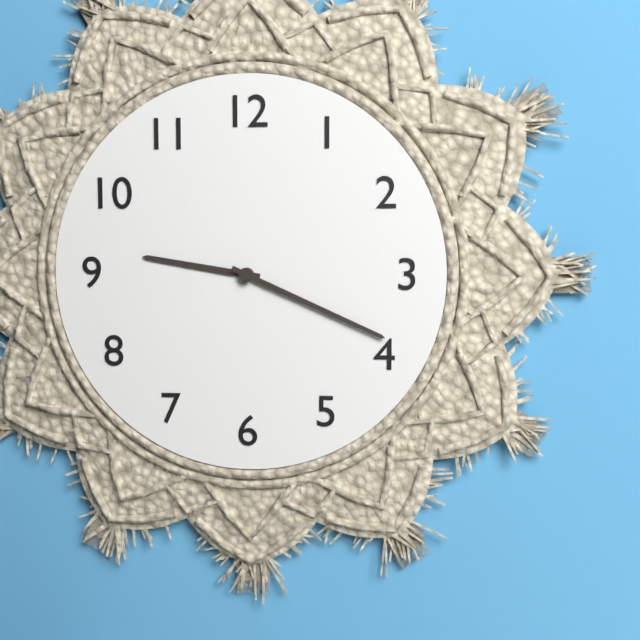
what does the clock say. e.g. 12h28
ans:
9h19
